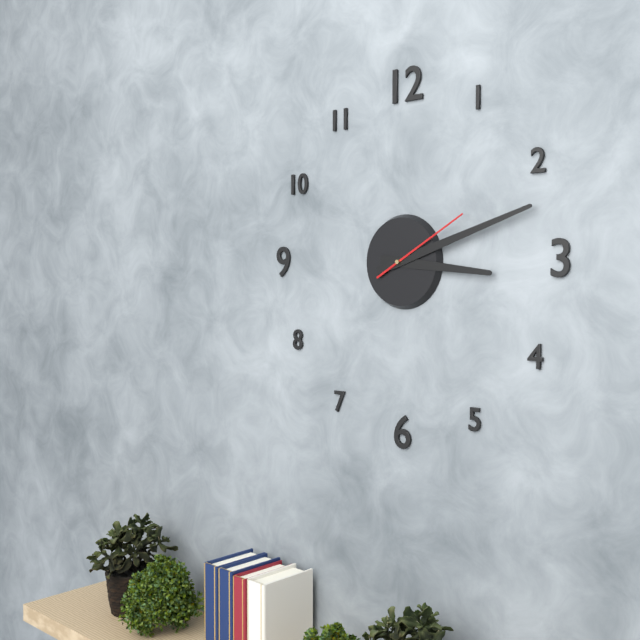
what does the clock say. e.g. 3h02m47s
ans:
3h12m10s
